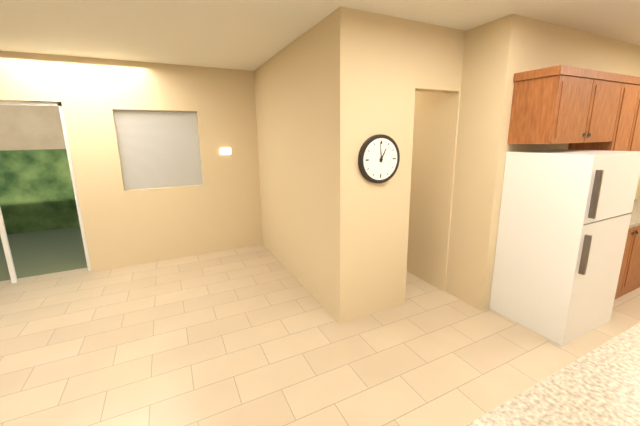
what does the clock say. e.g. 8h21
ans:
12h59
